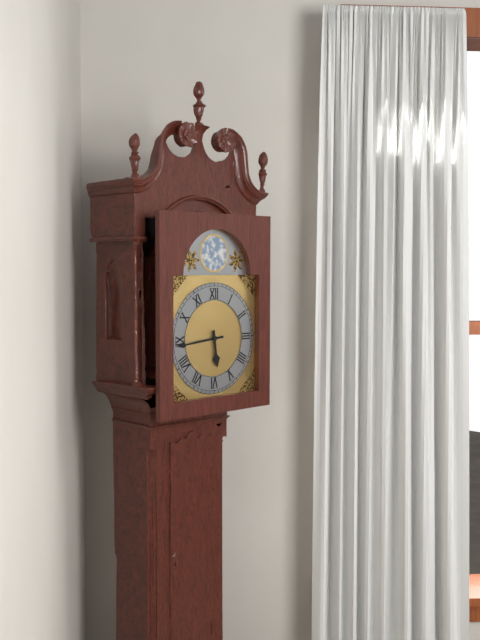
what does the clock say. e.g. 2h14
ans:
5h44
